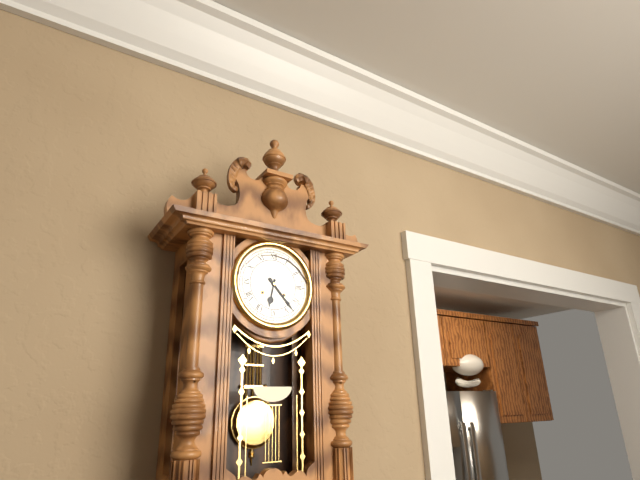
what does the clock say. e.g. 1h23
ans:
6h23
